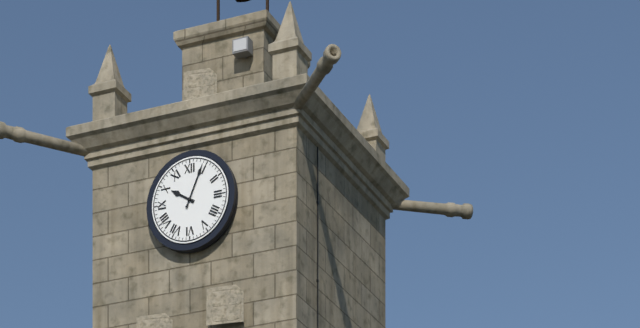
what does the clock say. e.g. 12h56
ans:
10h04
